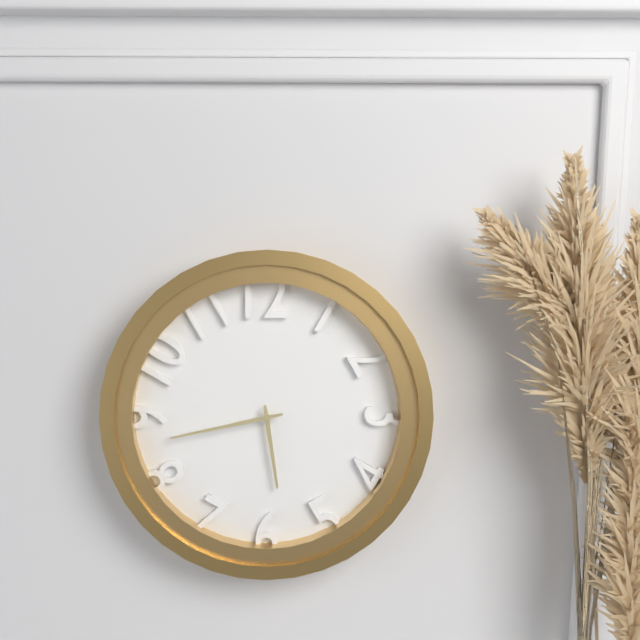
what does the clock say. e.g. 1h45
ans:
5h43
